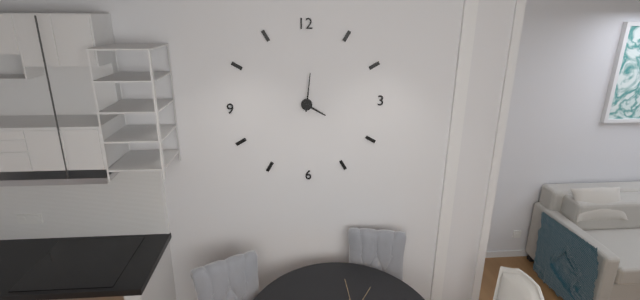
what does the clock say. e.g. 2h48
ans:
4h01
